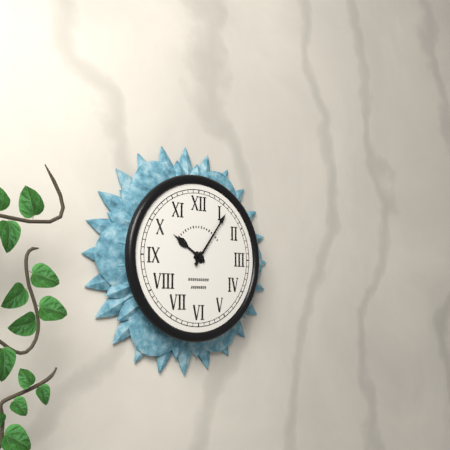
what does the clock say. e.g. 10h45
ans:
10h06
